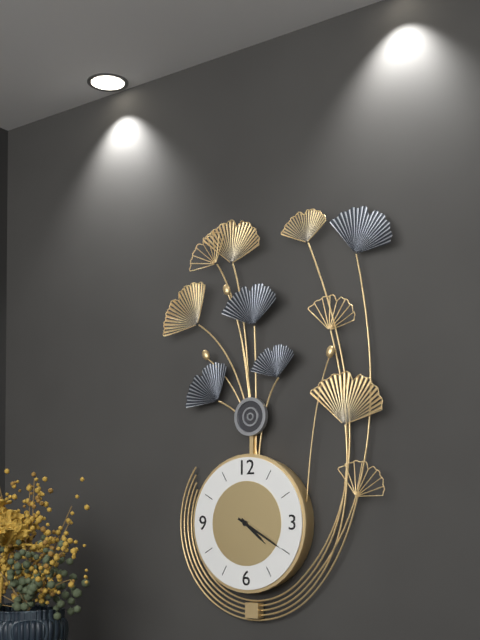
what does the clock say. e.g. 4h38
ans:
4h20
